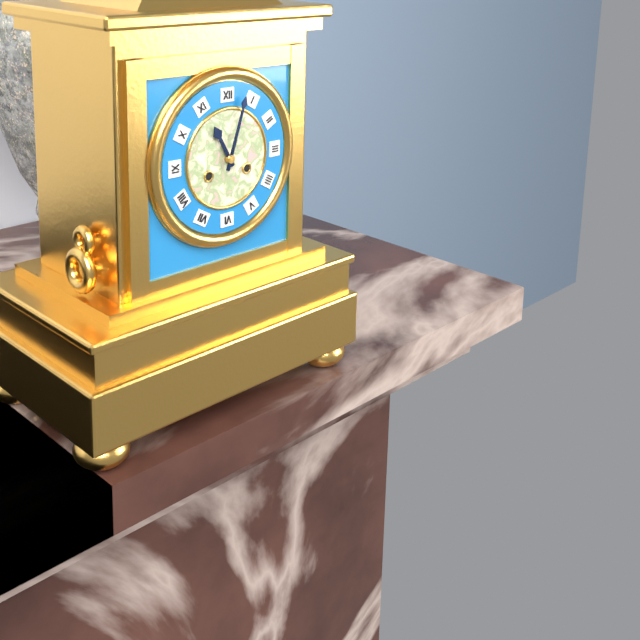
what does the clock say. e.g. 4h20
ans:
11h03
